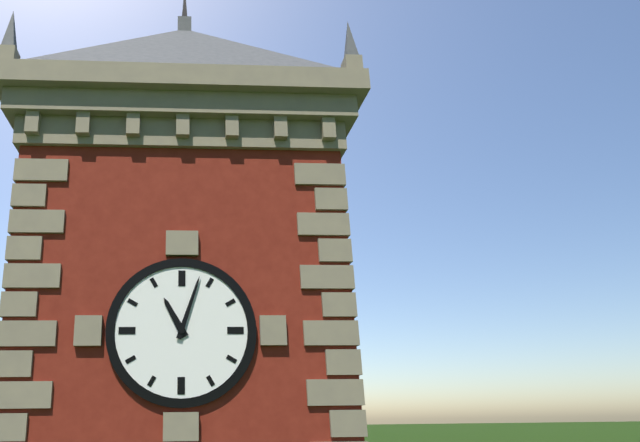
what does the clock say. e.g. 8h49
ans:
11h03
